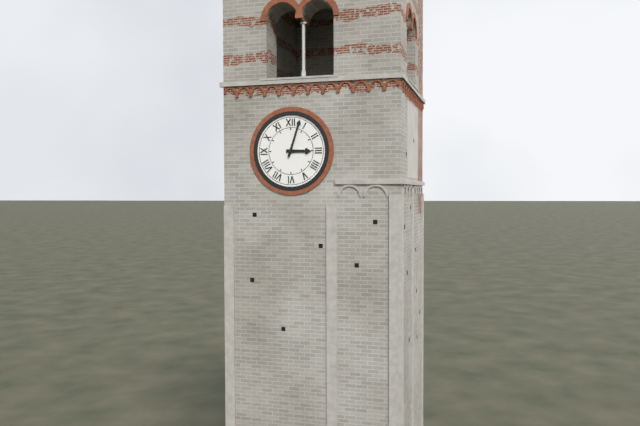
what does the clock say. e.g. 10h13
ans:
3h03
